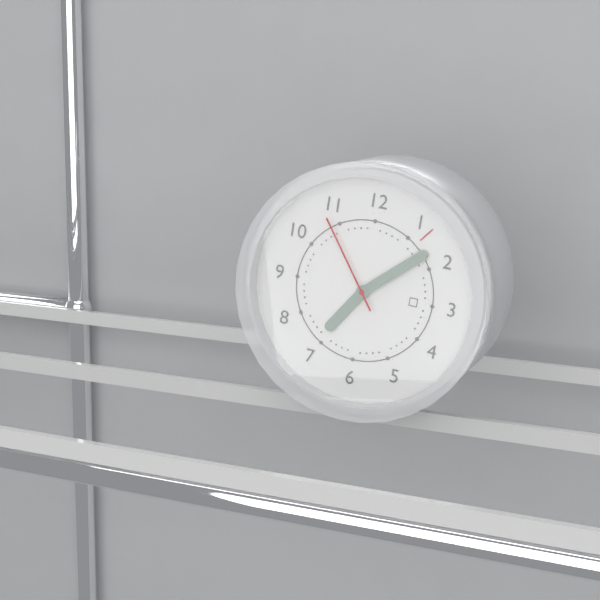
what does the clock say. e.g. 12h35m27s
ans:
7h08m54s
